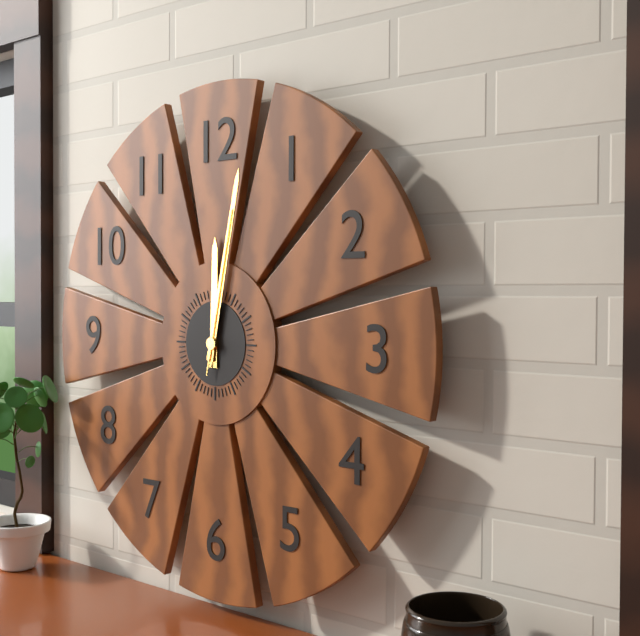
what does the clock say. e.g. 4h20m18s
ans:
12h02m02s
